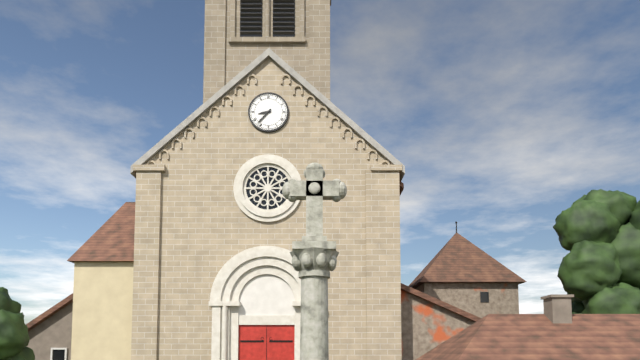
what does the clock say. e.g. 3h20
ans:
8h37
